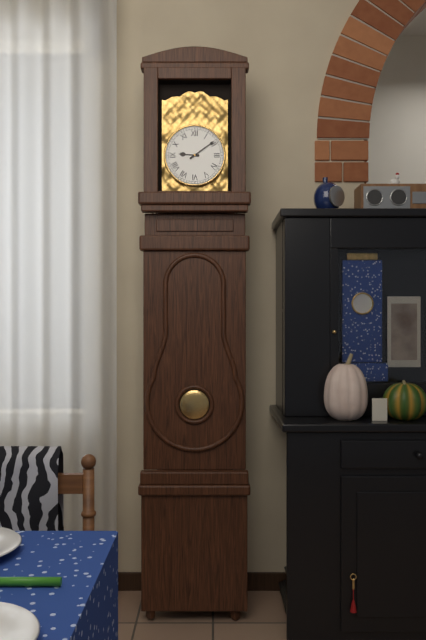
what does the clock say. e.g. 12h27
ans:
9h09
